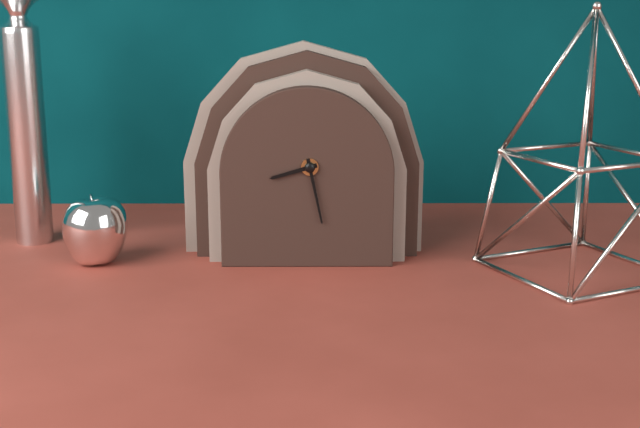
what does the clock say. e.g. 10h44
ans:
8h28
